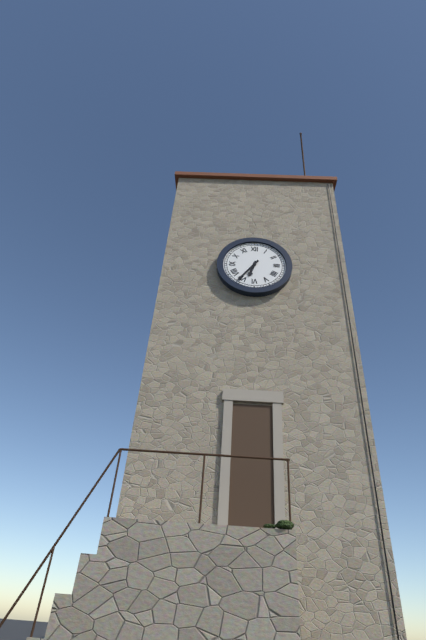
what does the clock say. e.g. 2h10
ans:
6h36
